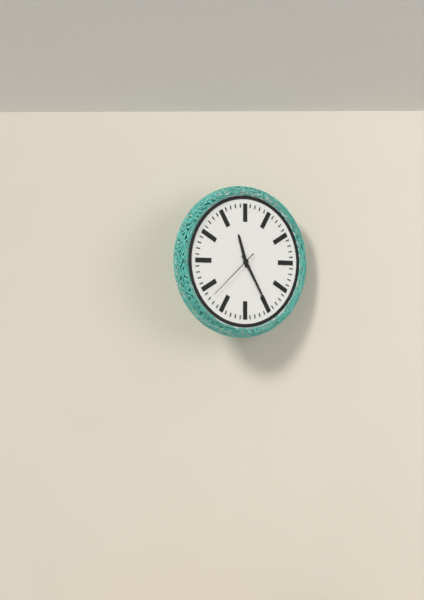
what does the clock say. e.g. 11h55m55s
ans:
11h25m38s
